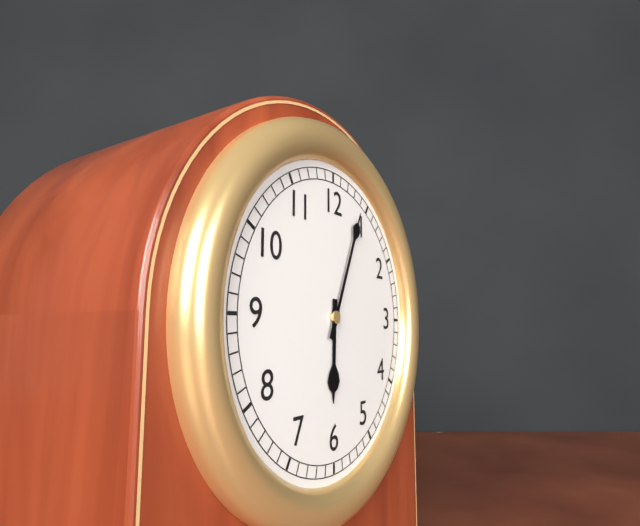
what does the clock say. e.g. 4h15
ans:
6h04
